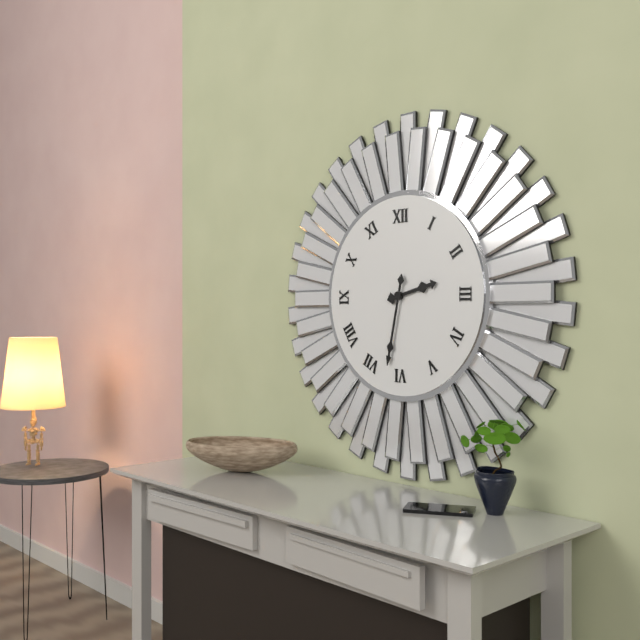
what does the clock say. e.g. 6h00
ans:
2h32
